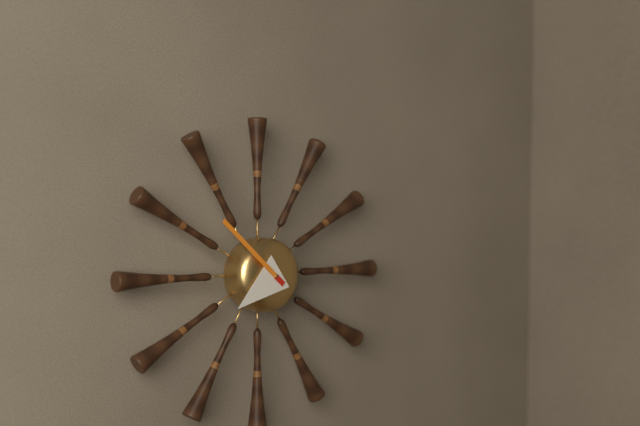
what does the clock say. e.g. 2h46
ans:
7h52
